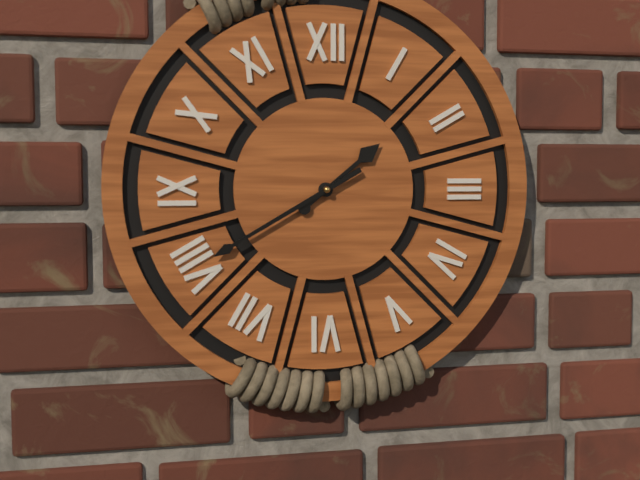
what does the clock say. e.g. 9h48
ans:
1h40
